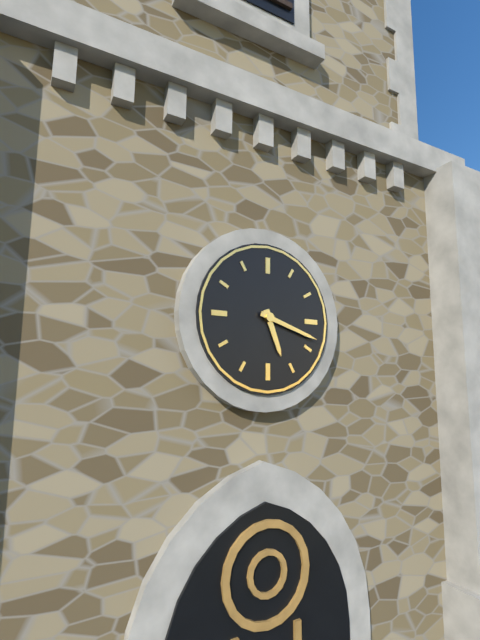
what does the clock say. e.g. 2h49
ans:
5h18
